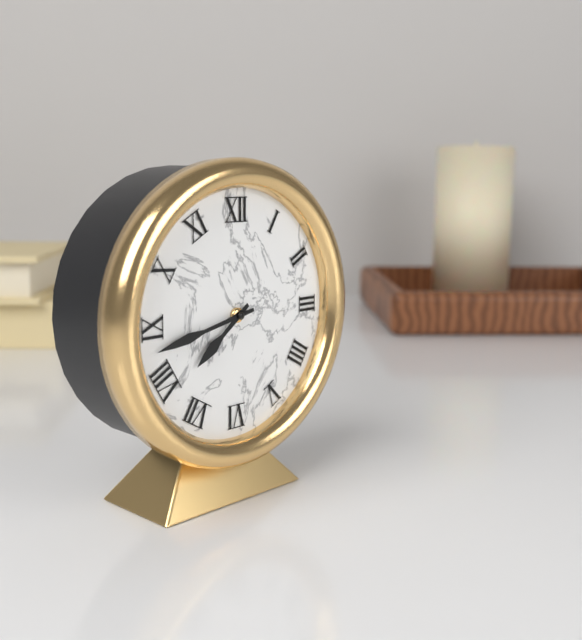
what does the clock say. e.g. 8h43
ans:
7h43
